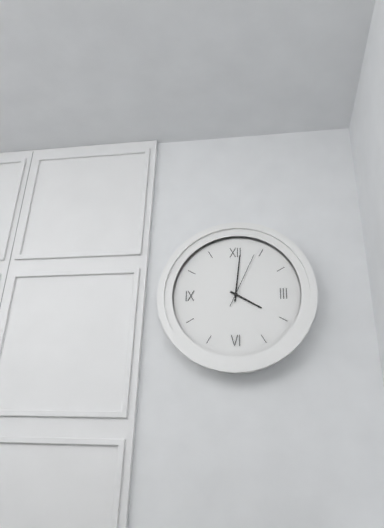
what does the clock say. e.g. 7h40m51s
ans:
4h01m04s
